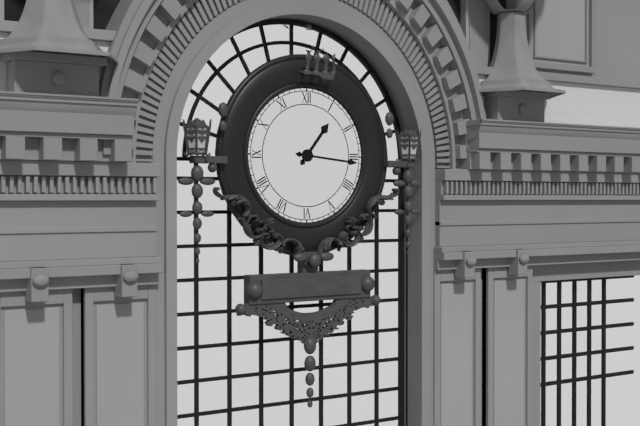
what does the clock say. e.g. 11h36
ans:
1h16
